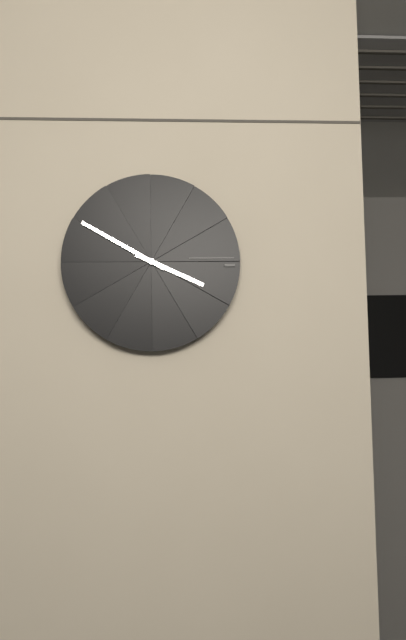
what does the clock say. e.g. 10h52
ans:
3h50
